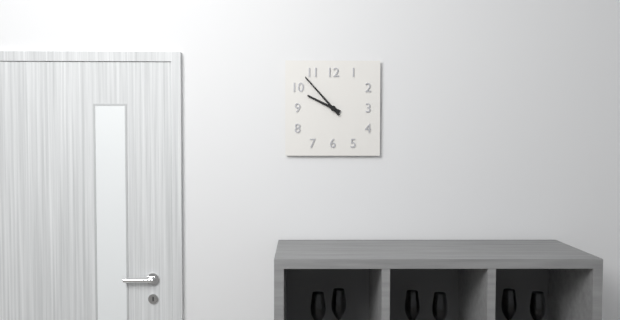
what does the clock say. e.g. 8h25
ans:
9h53
